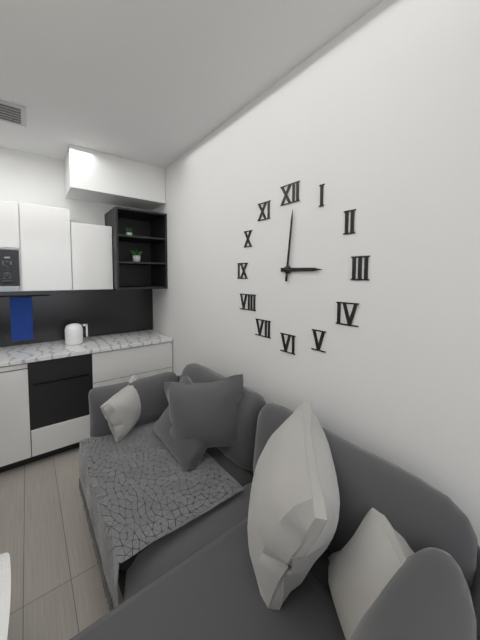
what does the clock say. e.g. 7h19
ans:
3h01
